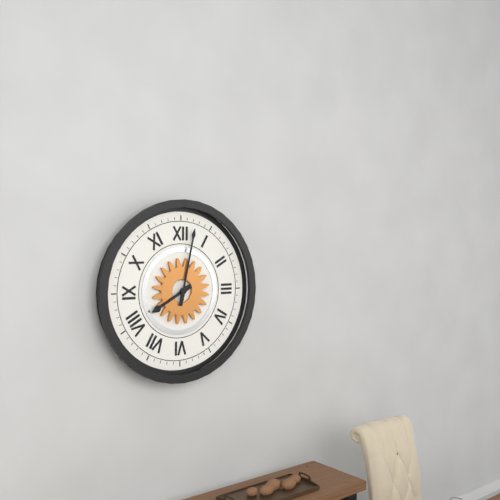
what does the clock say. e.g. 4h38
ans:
8h02
